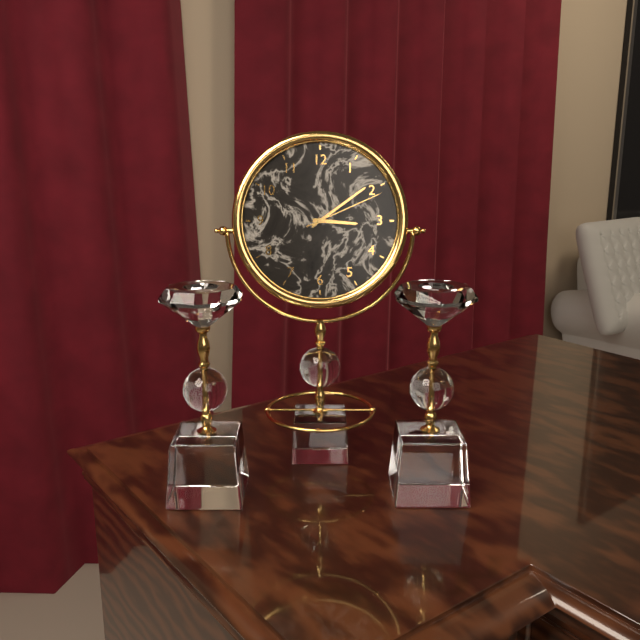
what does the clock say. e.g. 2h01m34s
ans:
3h09m11s
